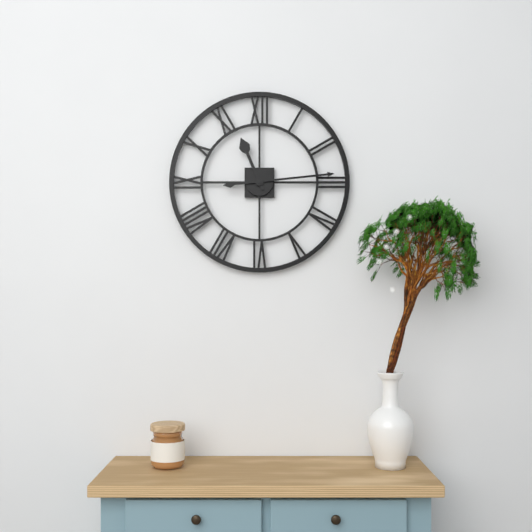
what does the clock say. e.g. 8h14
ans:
11h14
